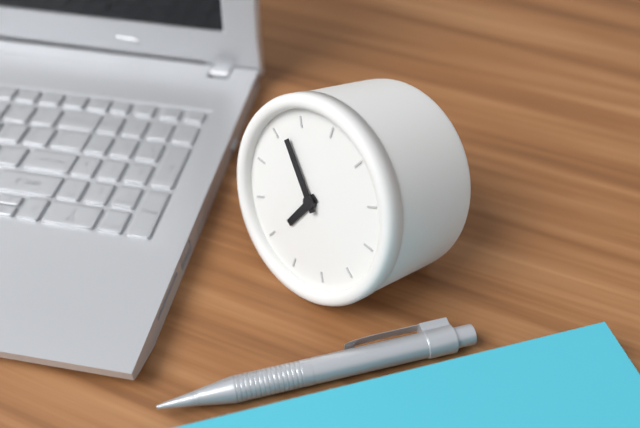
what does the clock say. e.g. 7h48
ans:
6h52
